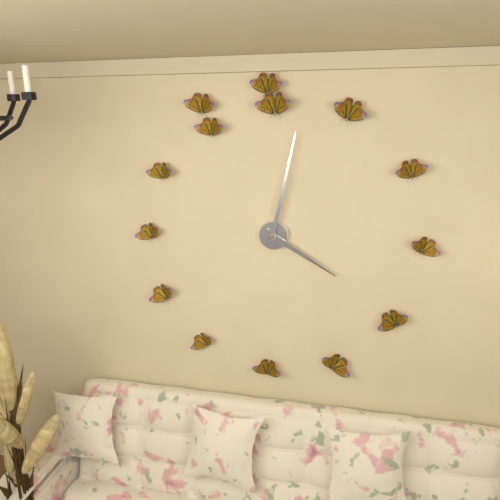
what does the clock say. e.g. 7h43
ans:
4h02
